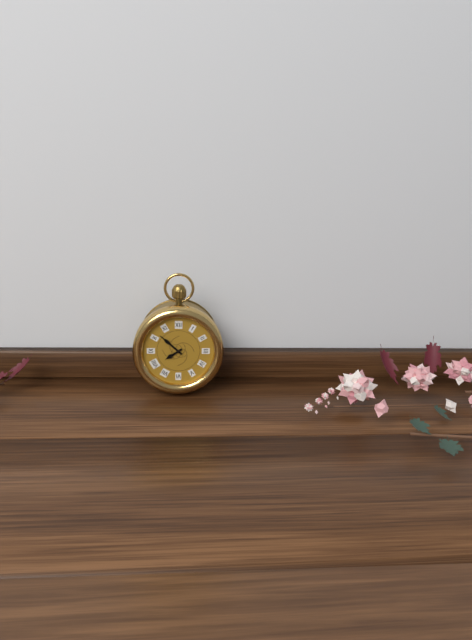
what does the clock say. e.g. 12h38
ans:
7h52
